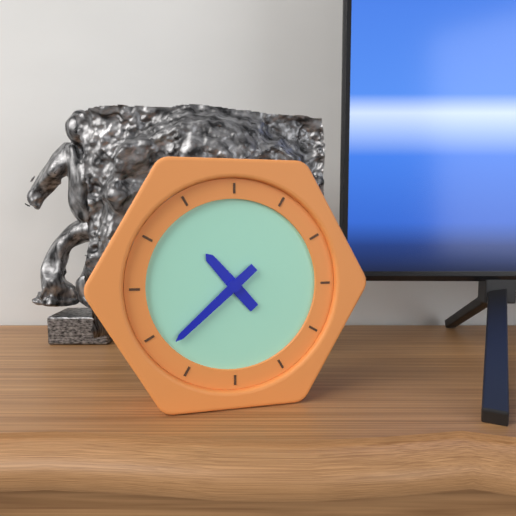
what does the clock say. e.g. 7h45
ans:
10h38
